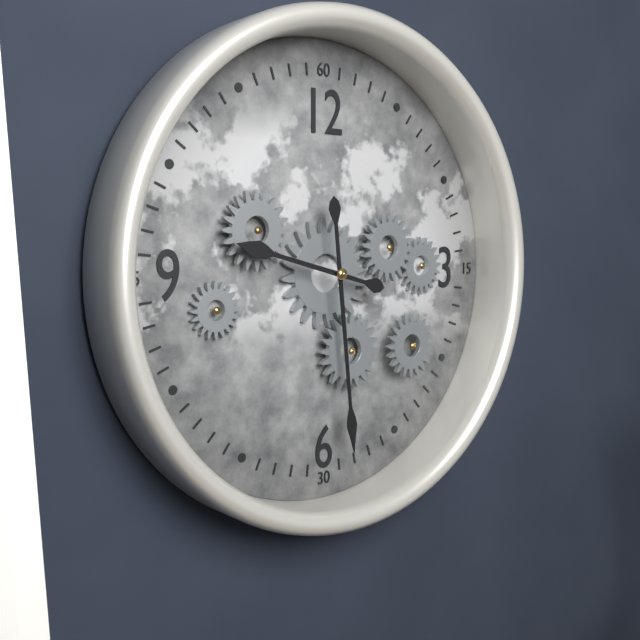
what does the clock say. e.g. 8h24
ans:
9h29
